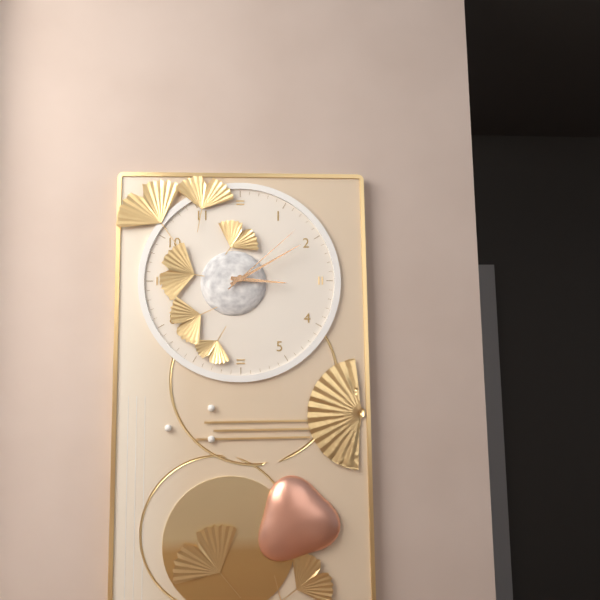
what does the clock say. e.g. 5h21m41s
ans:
3h10m08s
